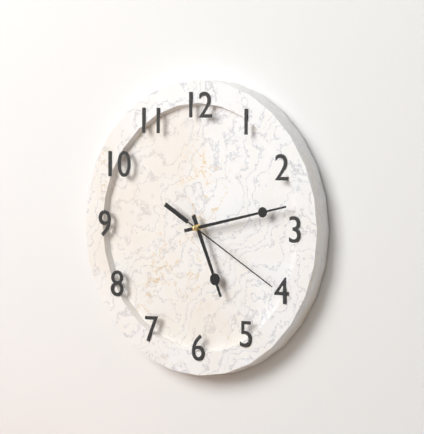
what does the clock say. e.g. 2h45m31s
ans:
5h13m20s
